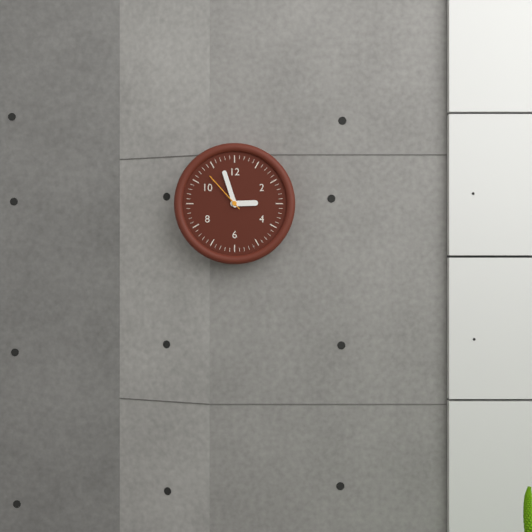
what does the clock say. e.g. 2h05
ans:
2h57
